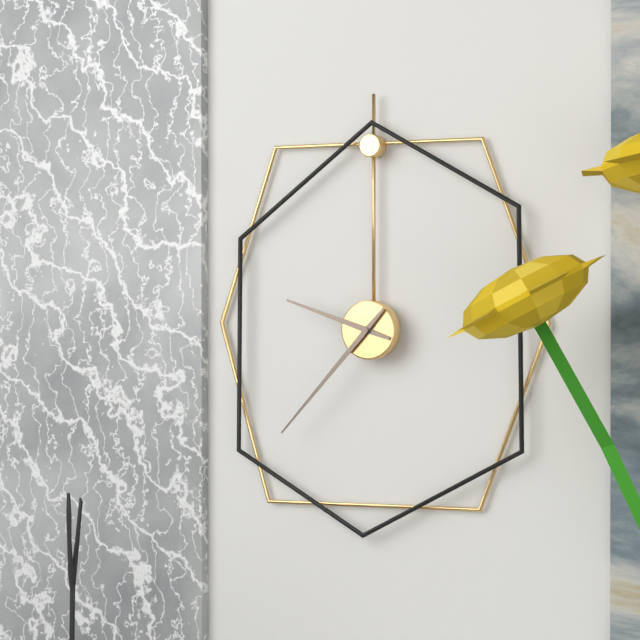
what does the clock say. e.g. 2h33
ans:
9h37
